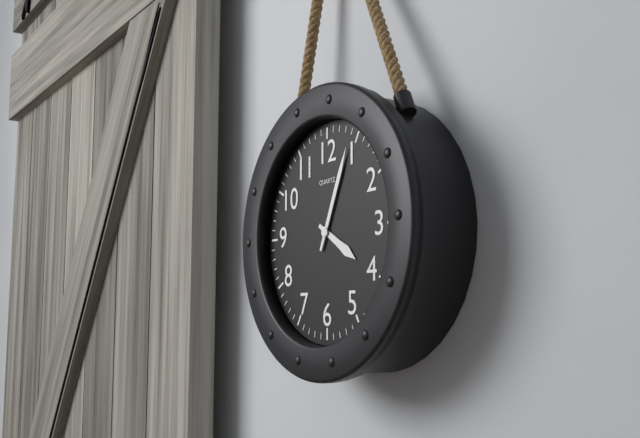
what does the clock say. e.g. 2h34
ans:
4h04
